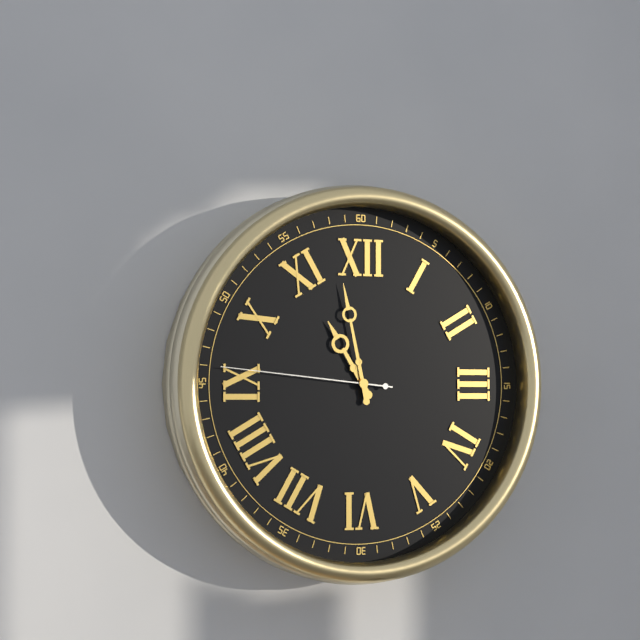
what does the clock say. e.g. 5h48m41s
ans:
10h58m46s
